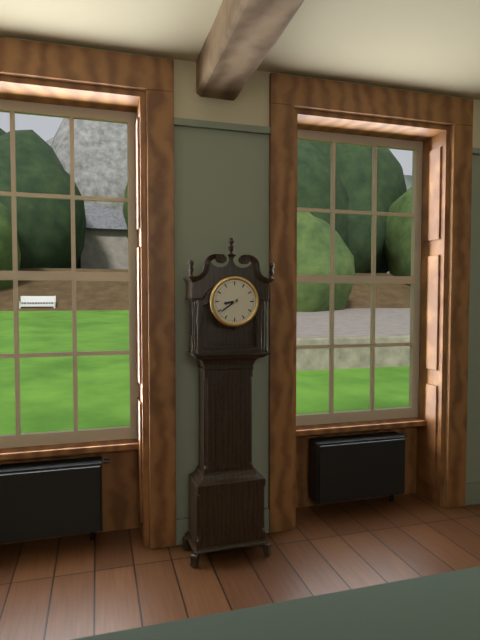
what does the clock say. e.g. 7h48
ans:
8h39
